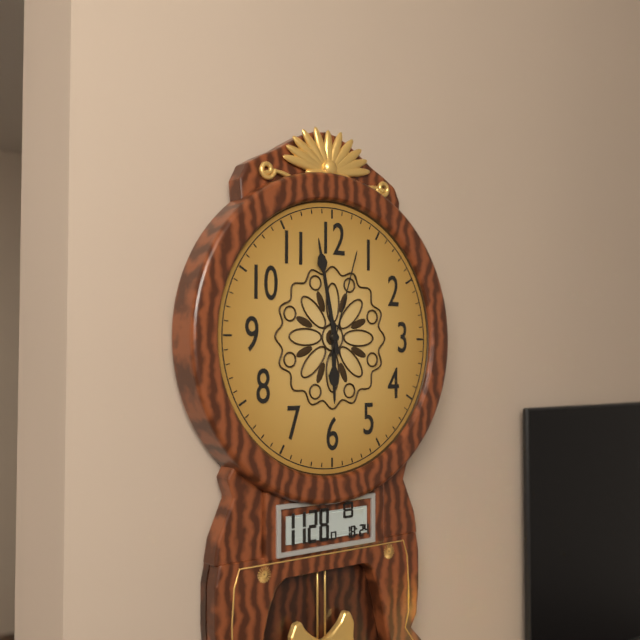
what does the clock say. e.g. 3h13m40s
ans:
5h58m03s
